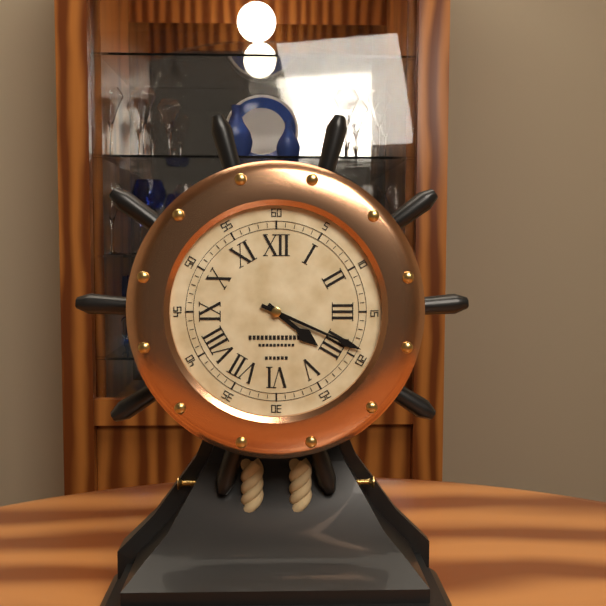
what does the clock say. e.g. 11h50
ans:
4h19
